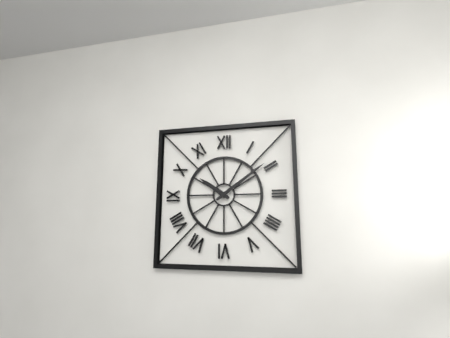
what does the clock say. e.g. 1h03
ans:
10h09
